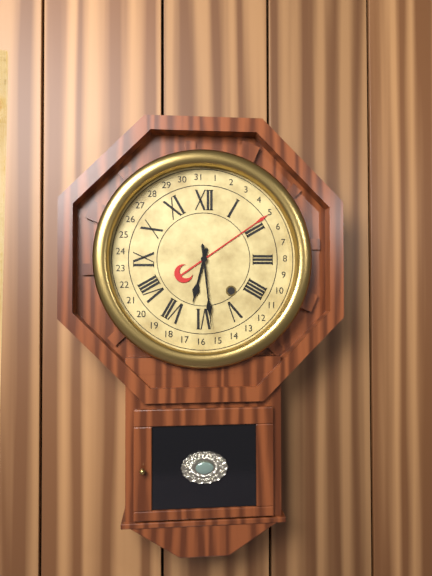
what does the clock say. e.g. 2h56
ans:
6h29
